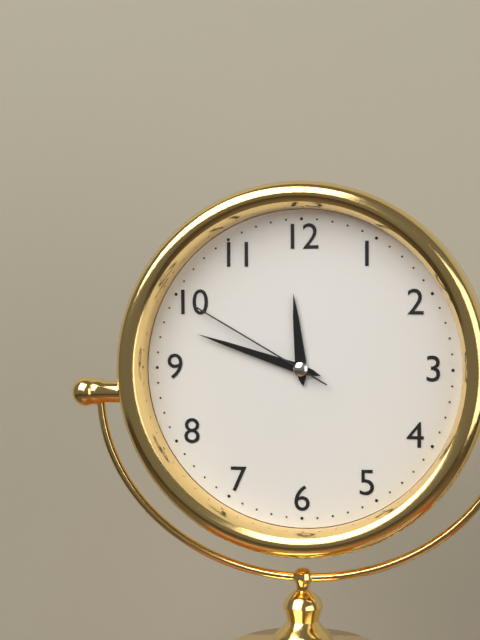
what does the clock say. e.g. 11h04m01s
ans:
11h48m50s
